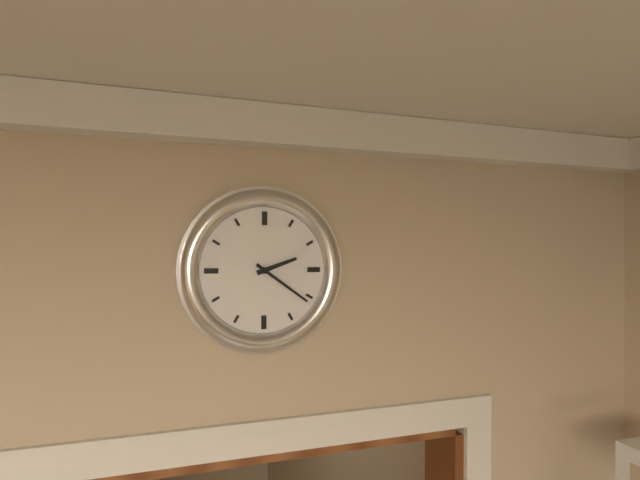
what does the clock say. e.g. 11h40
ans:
2h21
